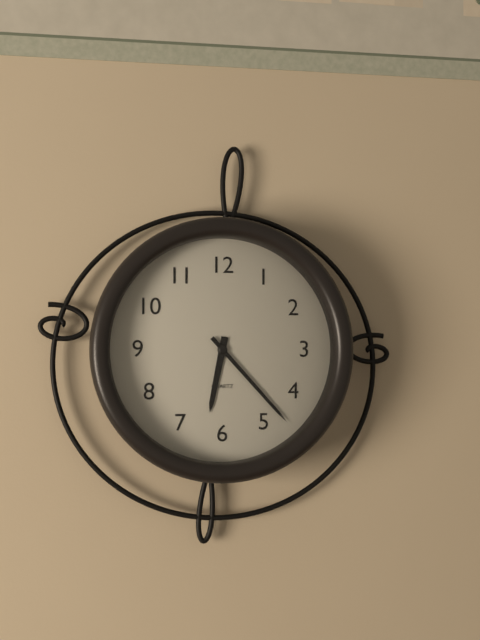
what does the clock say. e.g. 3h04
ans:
6h23
